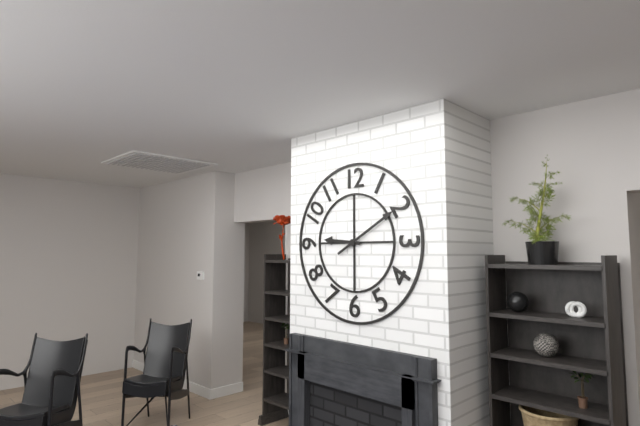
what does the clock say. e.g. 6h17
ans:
9h10
